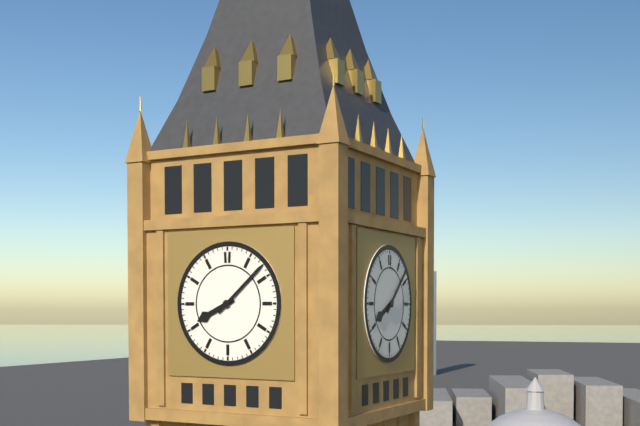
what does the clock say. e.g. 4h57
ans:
8h08
